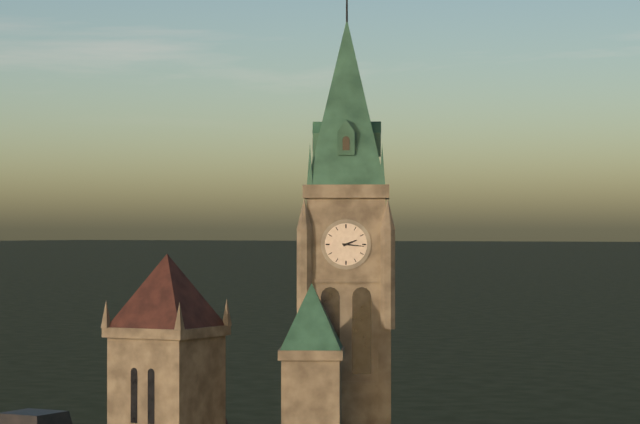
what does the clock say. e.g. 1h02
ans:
2h16
